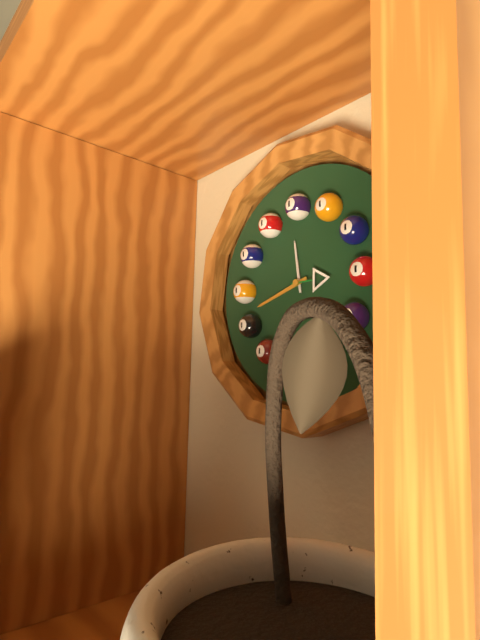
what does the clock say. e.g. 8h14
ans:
11h42
